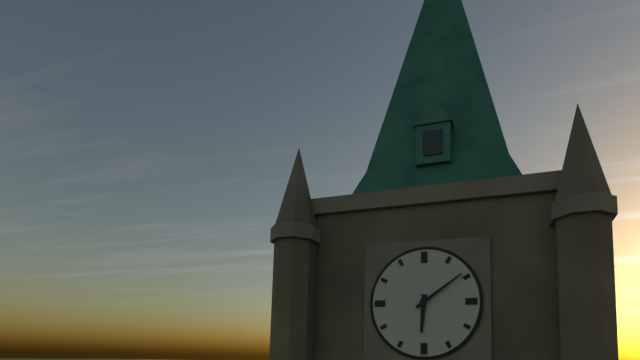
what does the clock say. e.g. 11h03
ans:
6h09
